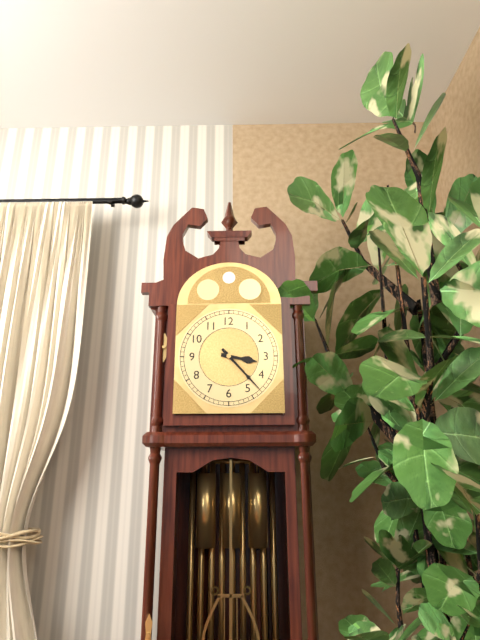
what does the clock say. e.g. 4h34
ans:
3h23
